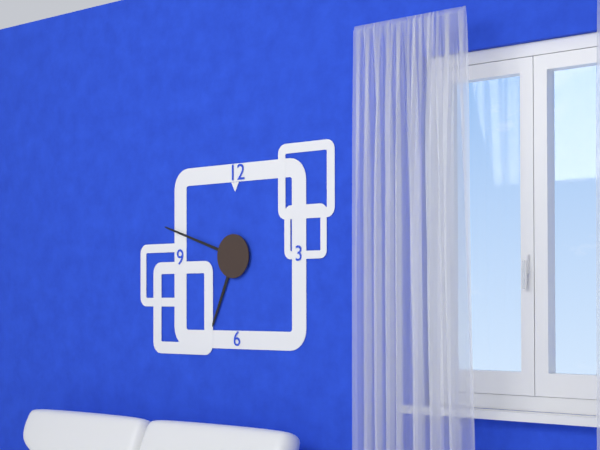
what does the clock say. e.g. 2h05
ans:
6h48
